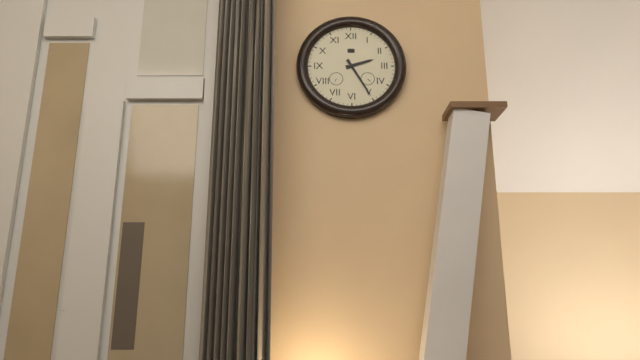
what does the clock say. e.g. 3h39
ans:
2h25
